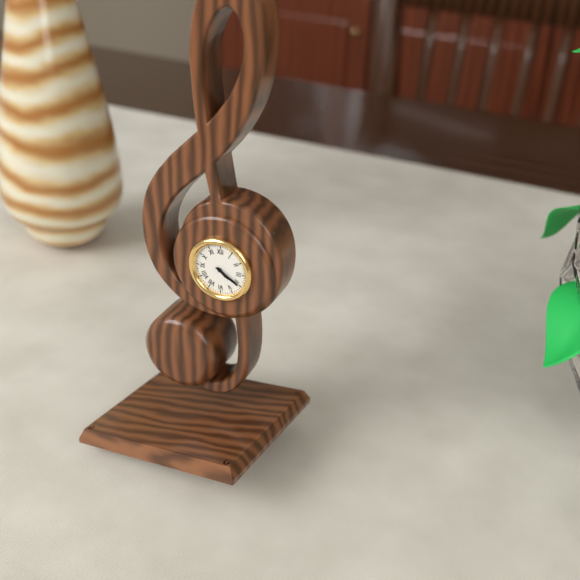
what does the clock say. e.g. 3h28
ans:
4h20
